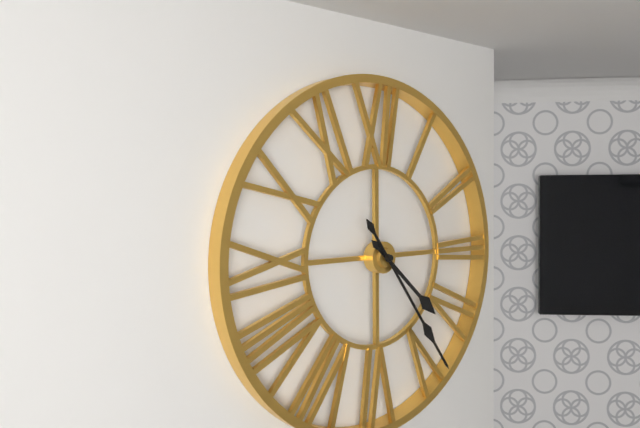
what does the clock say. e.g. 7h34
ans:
4h24
